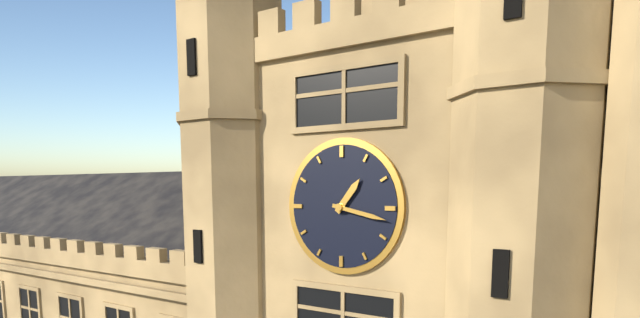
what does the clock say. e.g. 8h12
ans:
1h17
